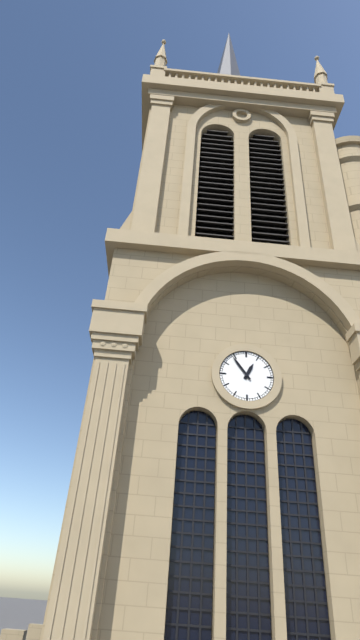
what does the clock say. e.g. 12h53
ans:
12h54
